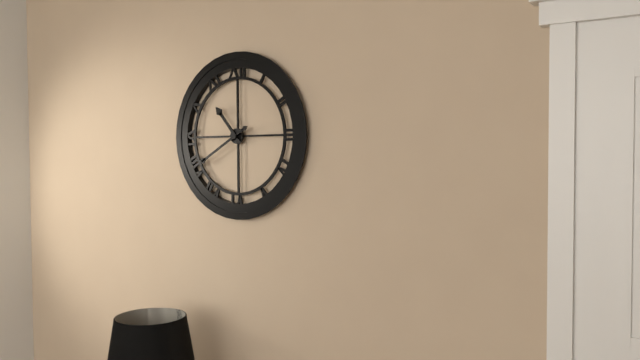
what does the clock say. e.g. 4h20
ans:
10h40
